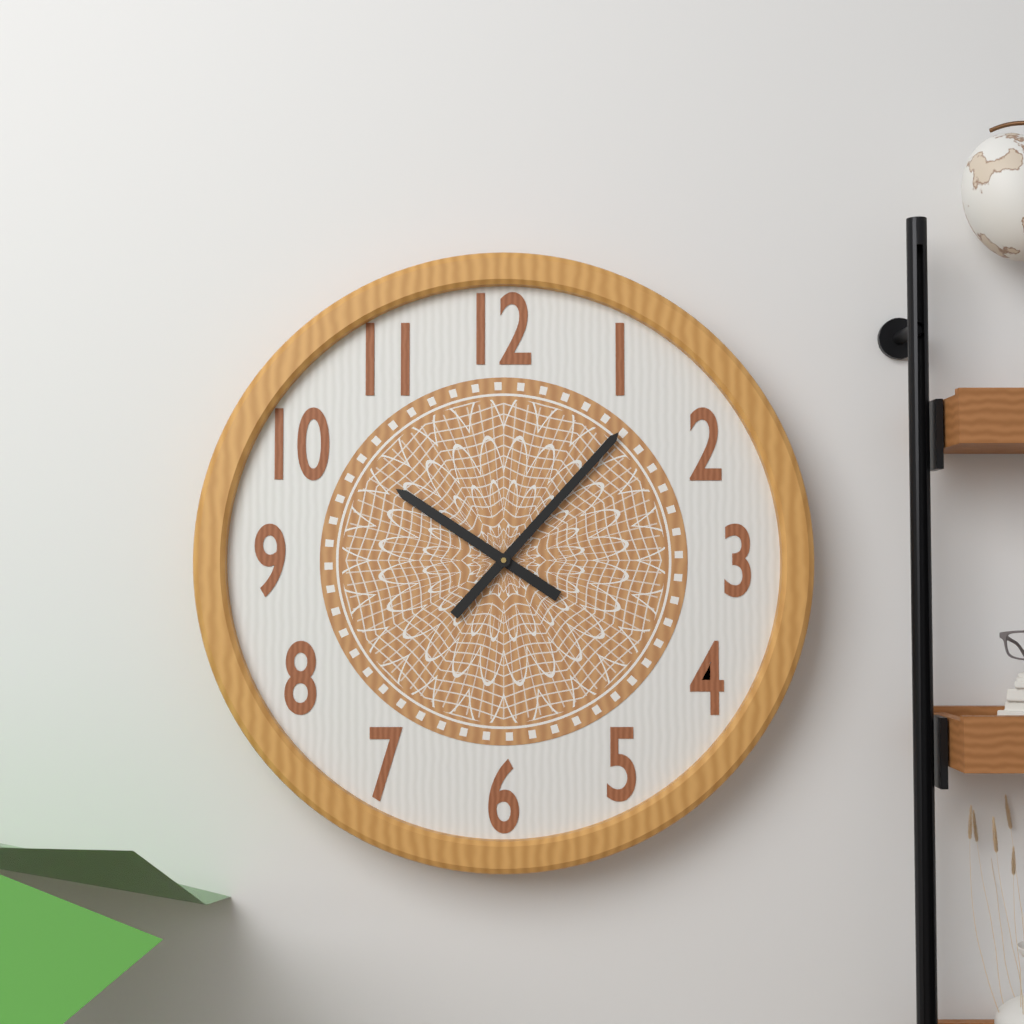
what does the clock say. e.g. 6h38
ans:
10h07
